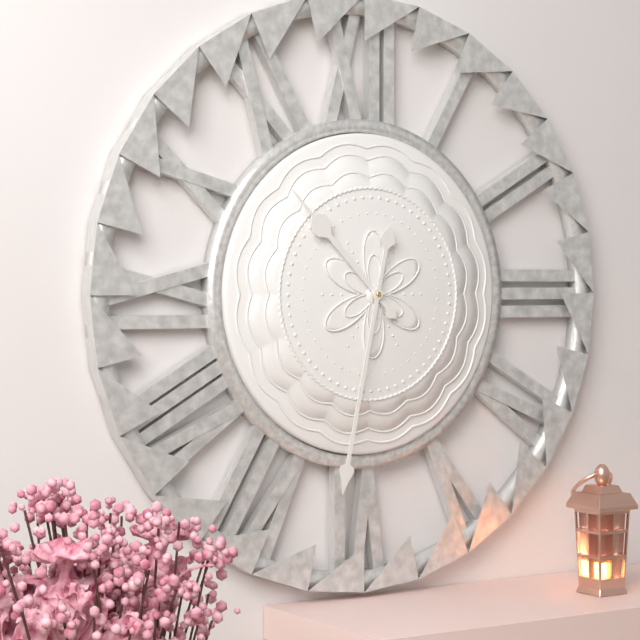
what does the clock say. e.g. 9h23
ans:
10h32
